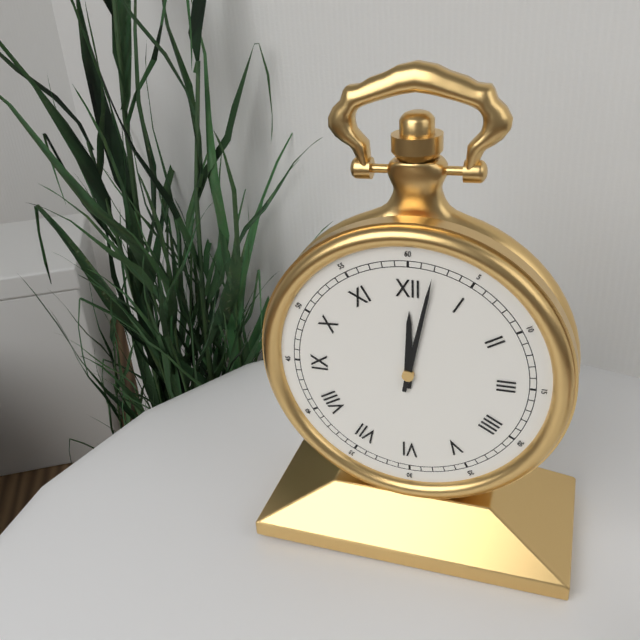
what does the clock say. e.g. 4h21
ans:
12h02
